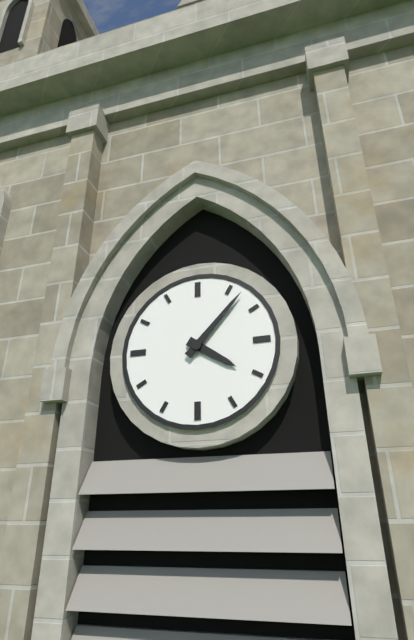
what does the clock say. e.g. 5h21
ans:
4h07
